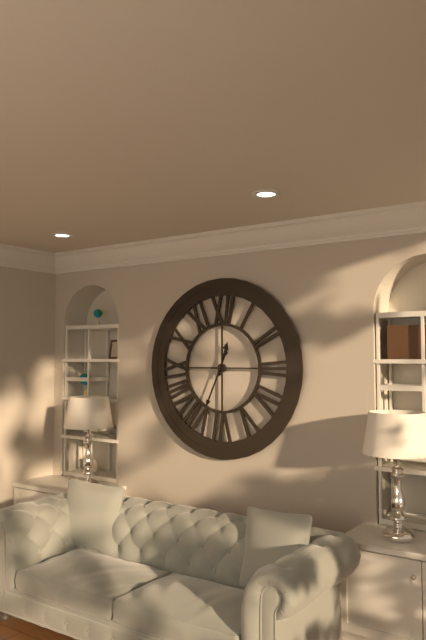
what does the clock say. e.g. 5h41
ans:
12h34
